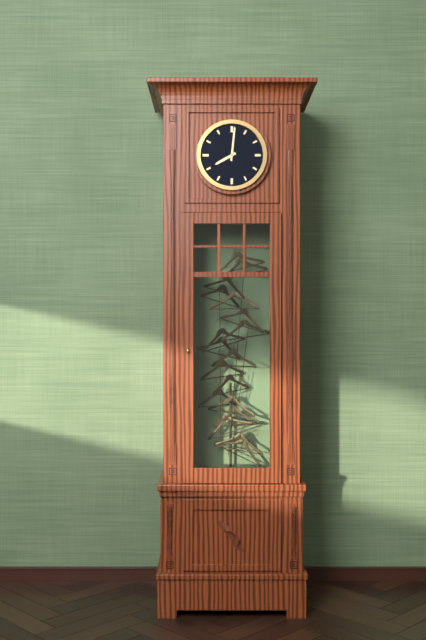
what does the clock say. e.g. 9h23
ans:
8h01
